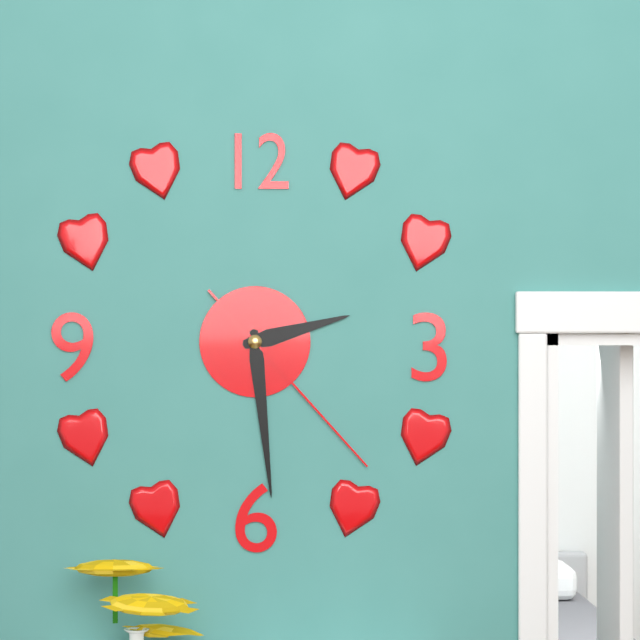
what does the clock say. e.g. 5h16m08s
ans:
2h29m23s
